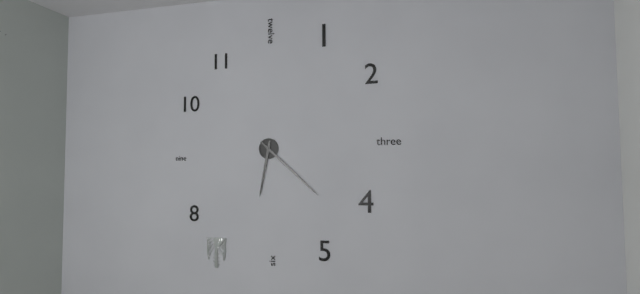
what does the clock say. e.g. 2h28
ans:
6h22
